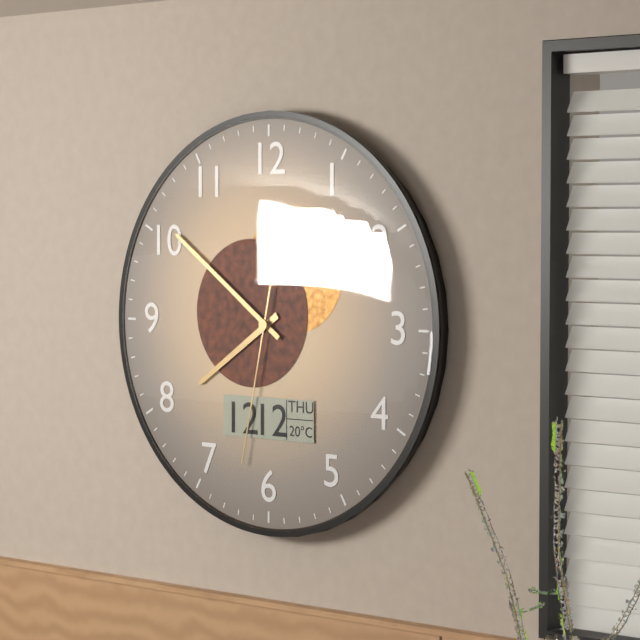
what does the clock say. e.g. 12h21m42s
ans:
7h51m32s
